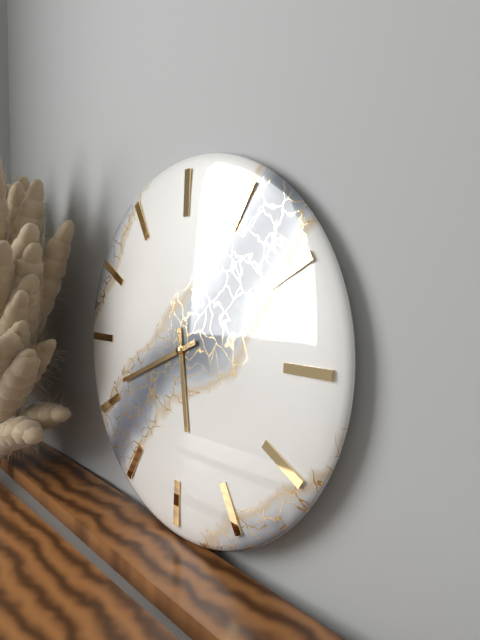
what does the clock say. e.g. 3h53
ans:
5h41
